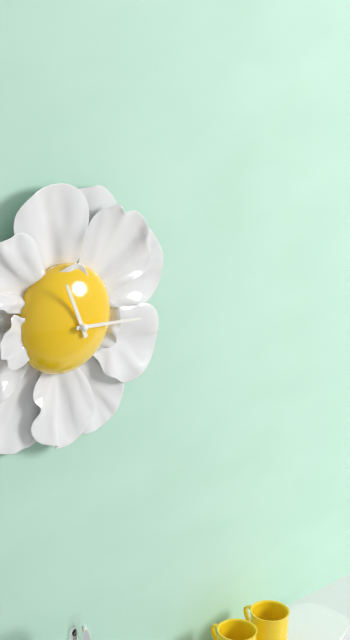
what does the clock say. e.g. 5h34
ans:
11h16
